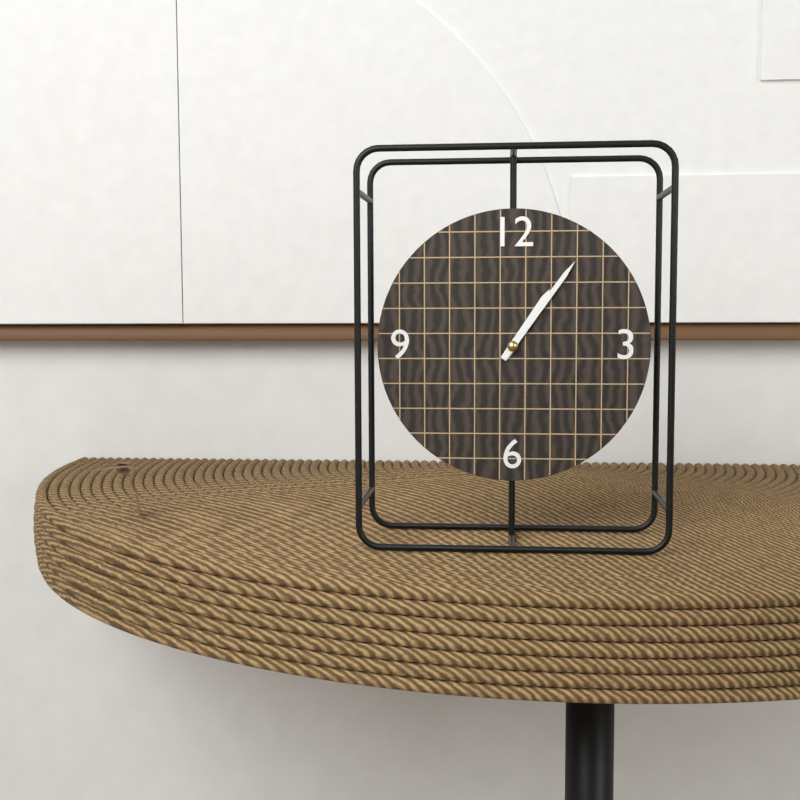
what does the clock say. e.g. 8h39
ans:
1h06
